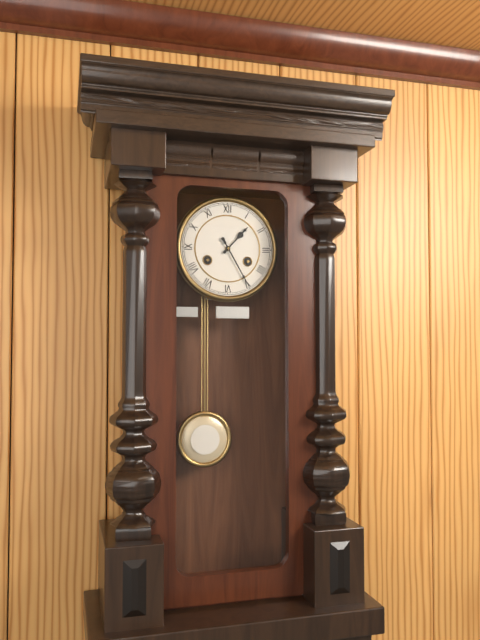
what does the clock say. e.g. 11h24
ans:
1h25
